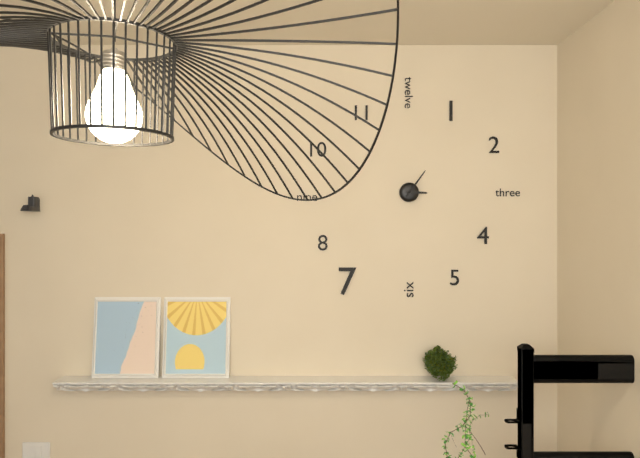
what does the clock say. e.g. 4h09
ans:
3h06
